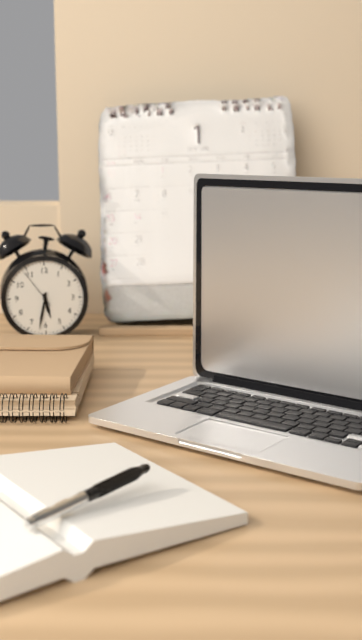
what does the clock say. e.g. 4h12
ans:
5h32
